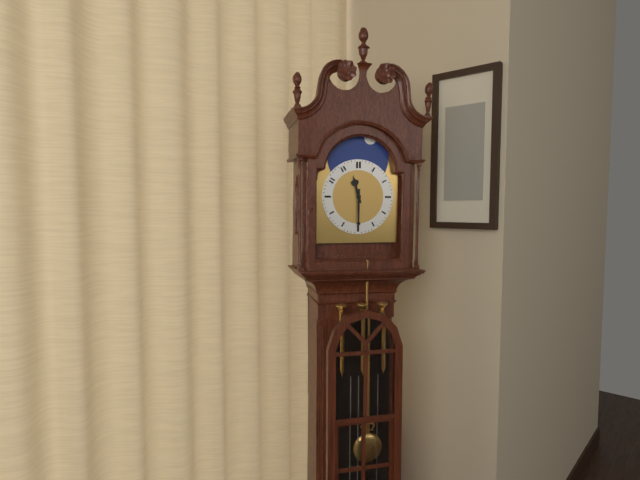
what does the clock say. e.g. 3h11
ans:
11h30
